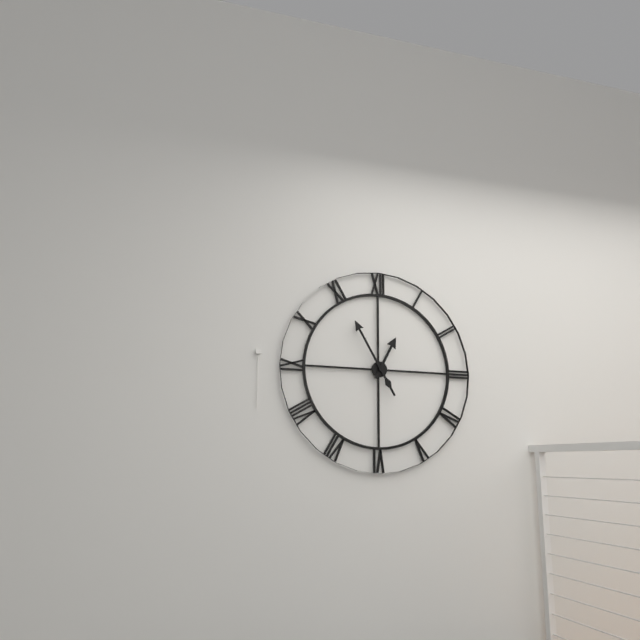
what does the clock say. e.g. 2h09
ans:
12h55
